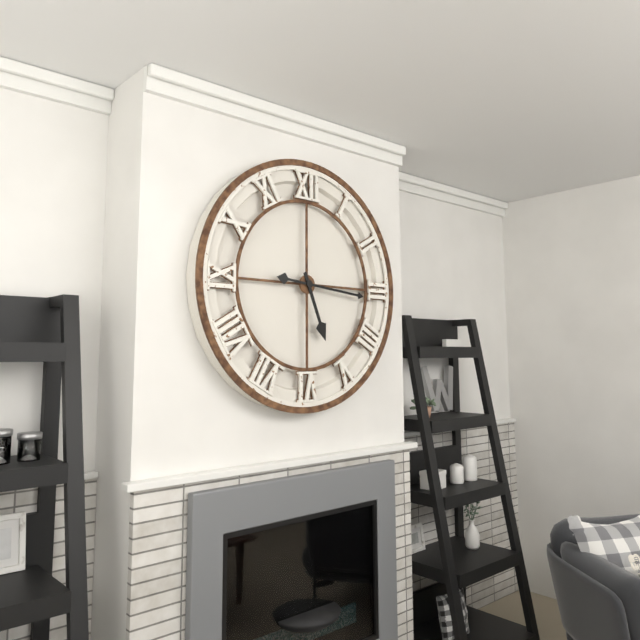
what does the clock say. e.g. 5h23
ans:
5h16
